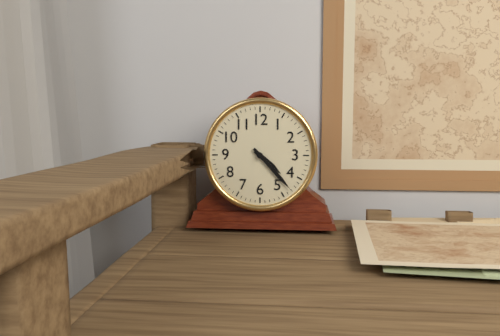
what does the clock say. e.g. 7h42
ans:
4h23
